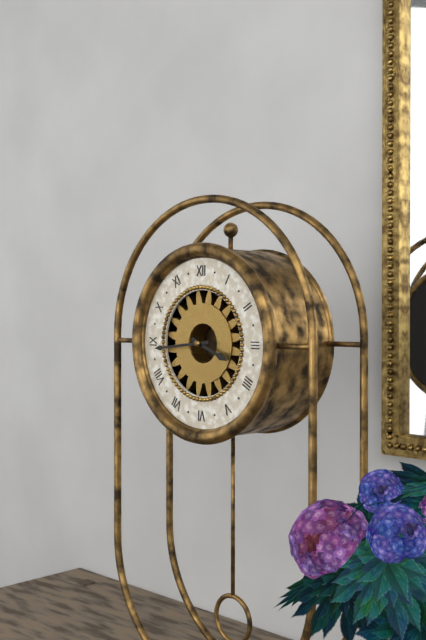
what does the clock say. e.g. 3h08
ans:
3h44
